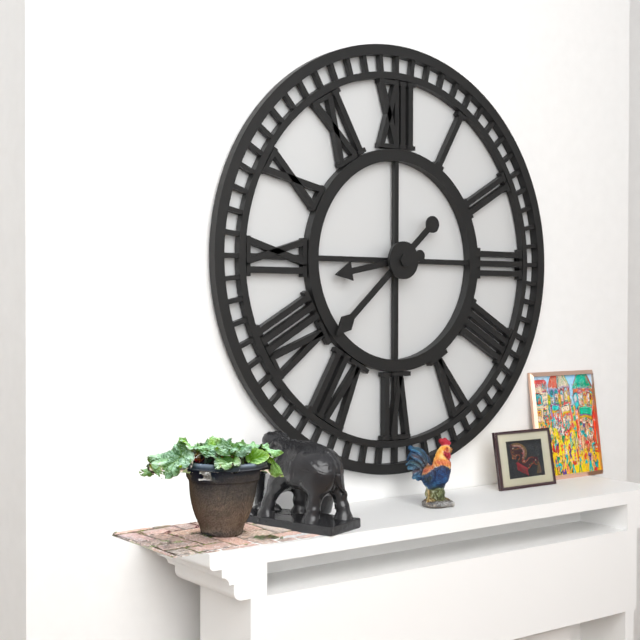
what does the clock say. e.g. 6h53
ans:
8h38
